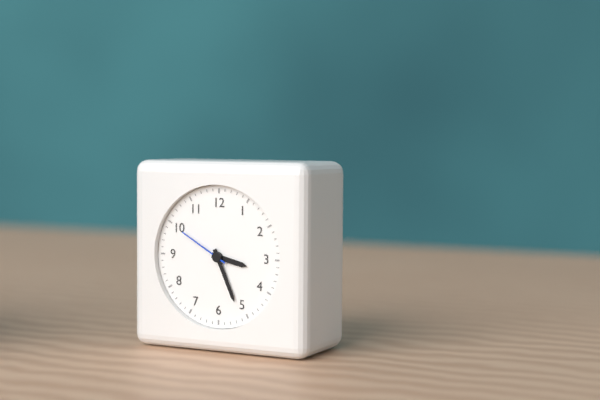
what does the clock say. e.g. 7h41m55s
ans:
3h26m50s
